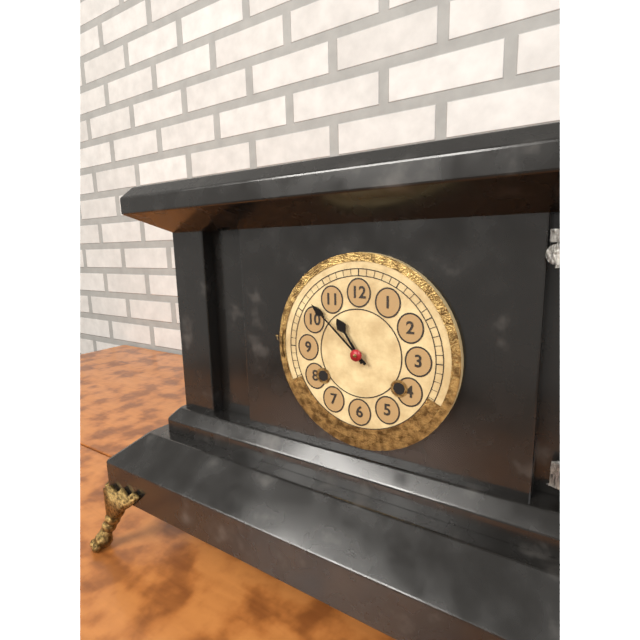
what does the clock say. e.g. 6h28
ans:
10h52
